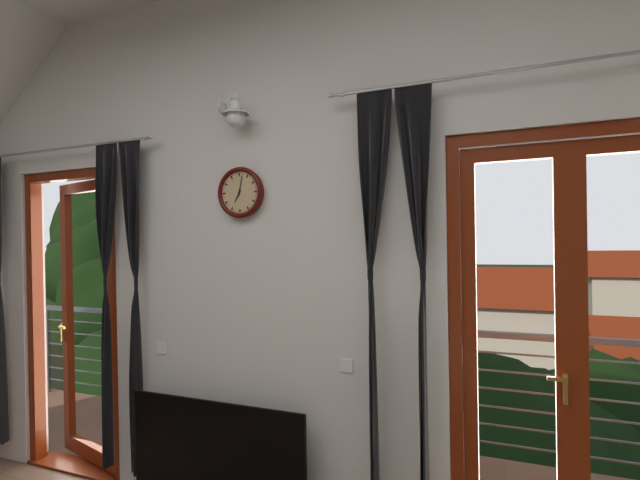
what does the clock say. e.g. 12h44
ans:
7h02
